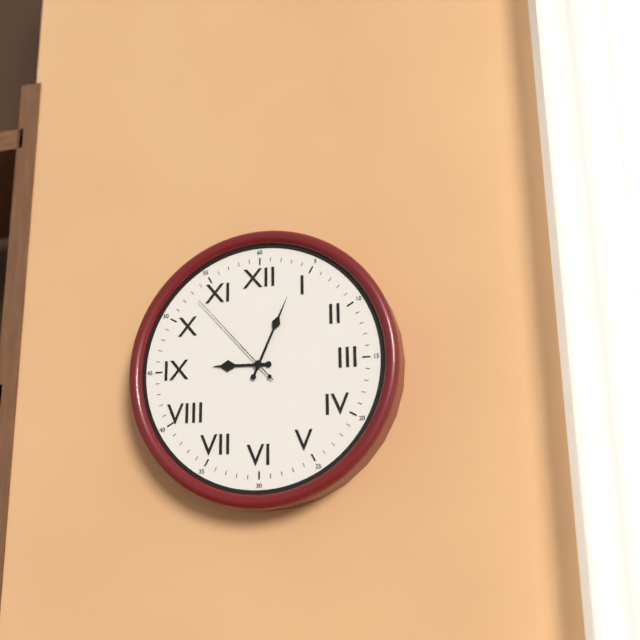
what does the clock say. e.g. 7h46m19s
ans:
9h04m53s
